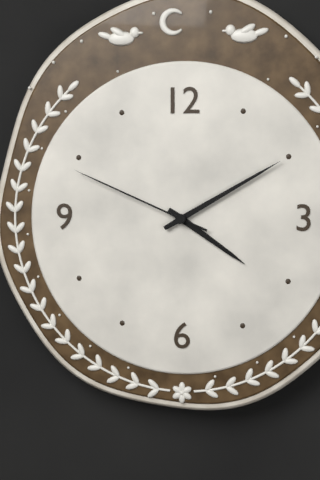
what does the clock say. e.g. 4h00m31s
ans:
4h10m49s
